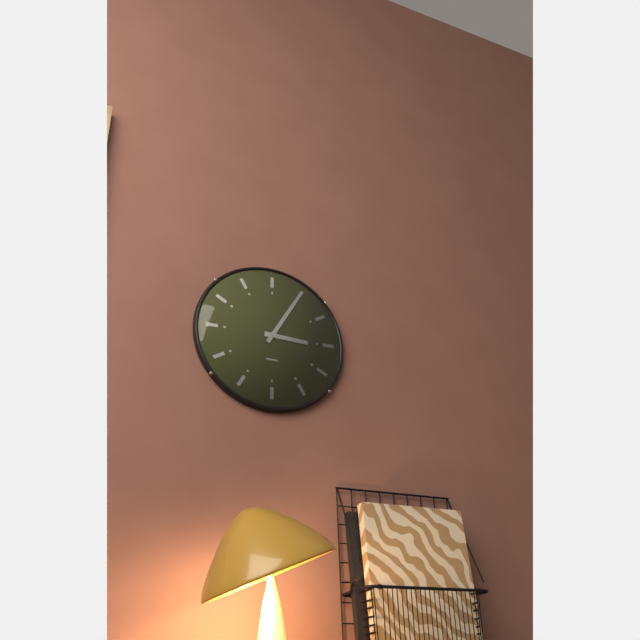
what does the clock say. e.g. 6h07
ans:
3h05
